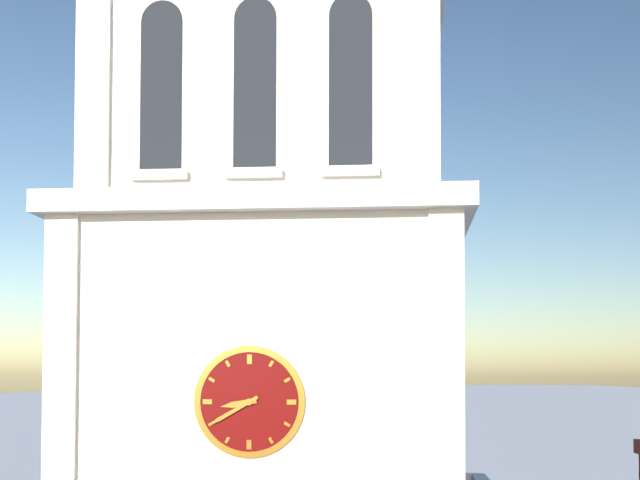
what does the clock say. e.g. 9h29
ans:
8h40
